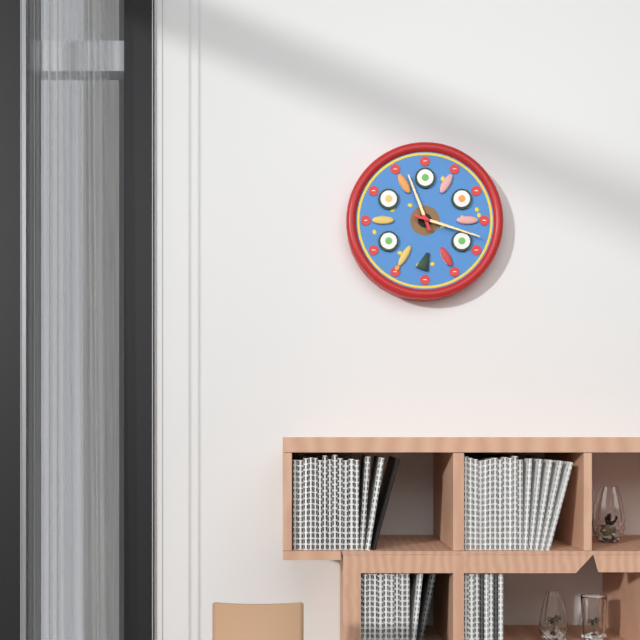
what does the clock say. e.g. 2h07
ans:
11h18
